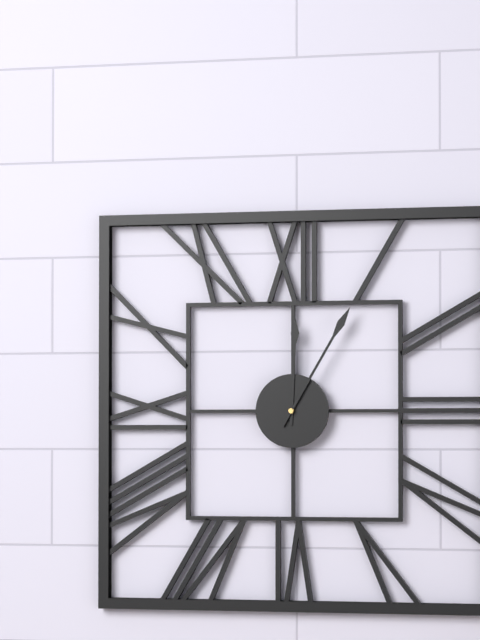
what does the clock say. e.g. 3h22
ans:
12h05
